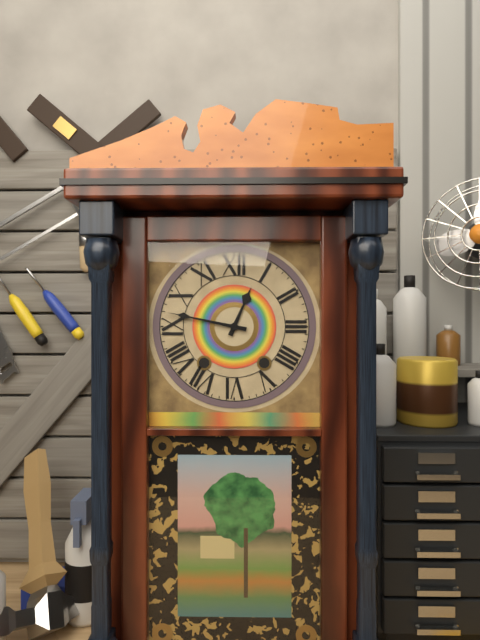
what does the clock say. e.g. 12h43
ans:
12h47
